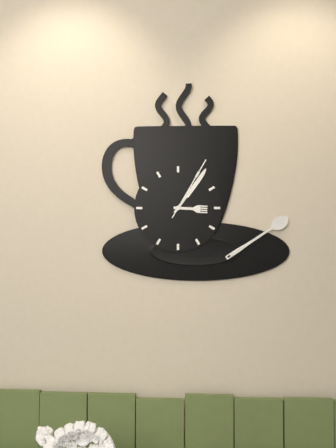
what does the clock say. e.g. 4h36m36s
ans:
3h06m05s
